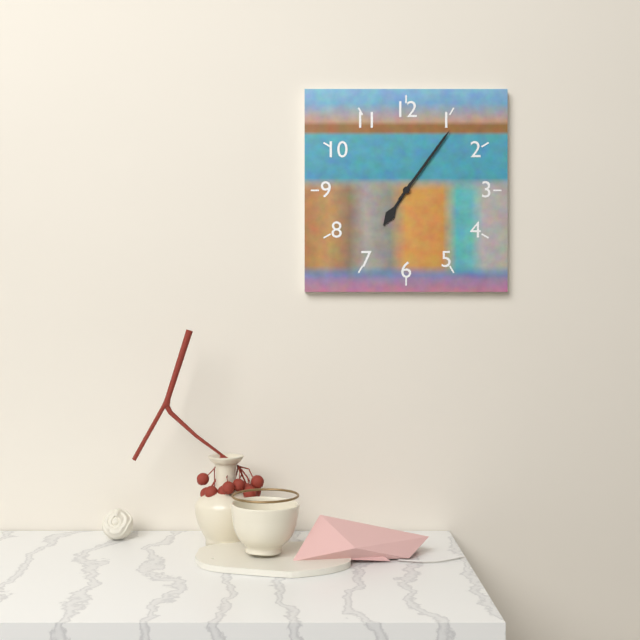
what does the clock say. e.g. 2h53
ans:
7h06
